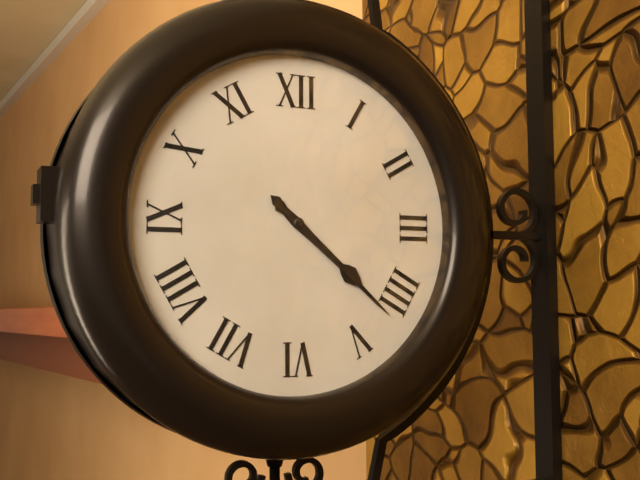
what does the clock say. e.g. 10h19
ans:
4h22
